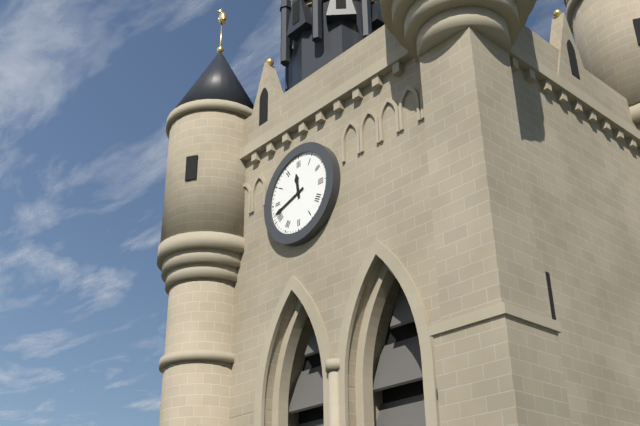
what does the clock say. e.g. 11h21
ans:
11h42
